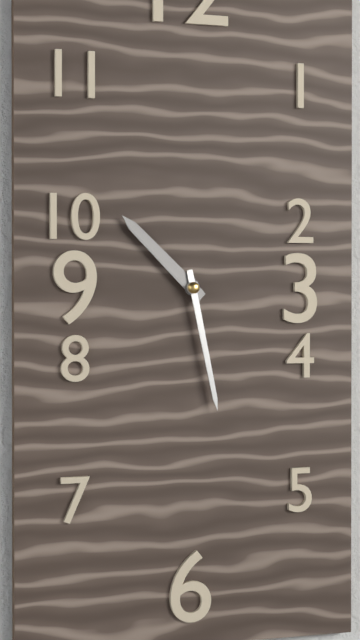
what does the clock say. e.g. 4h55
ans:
10h28
